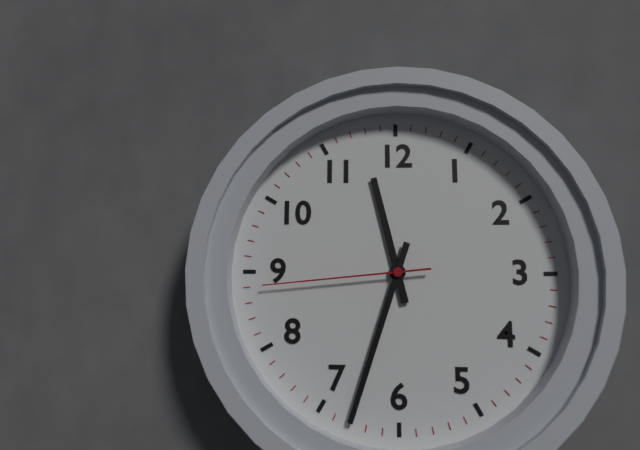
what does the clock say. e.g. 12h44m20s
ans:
11h33m44s
